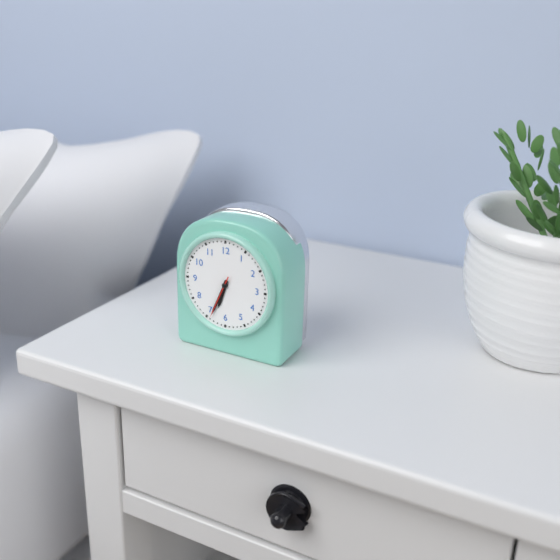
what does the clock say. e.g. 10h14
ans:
6h34
